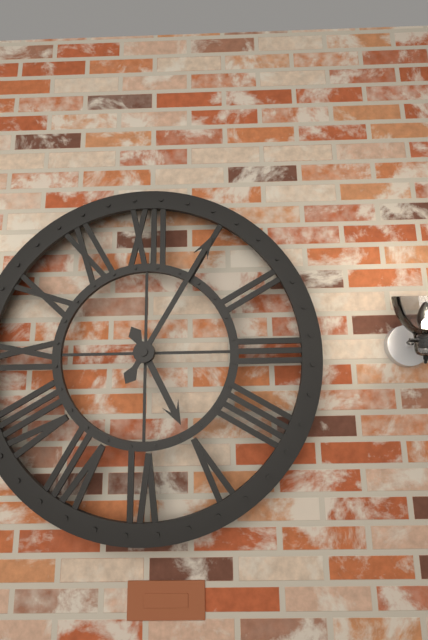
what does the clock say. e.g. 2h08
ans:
5h05
